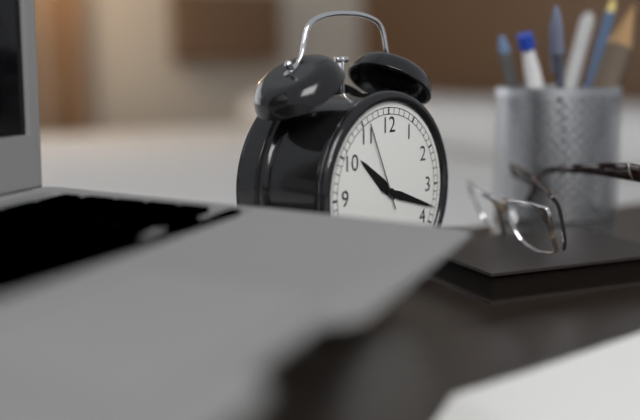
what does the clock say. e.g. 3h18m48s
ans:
10h18m56s
